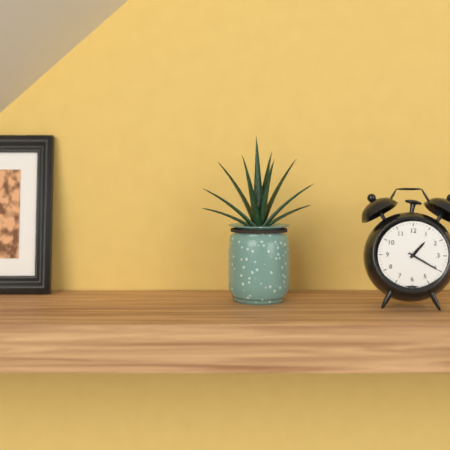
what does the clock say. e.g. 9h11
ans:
1h20
